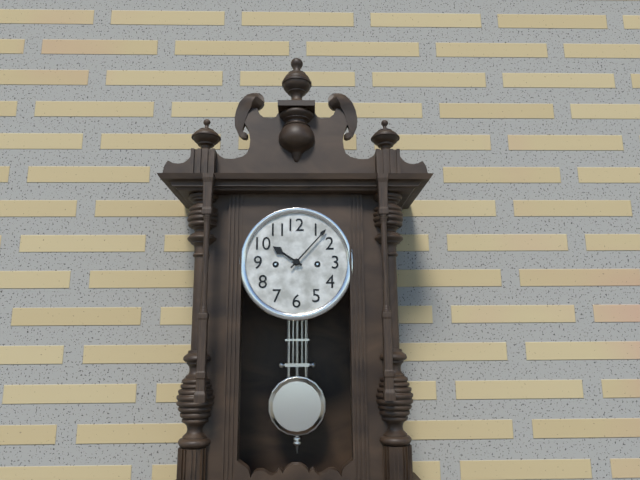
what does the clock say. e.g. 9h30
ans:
10h07
